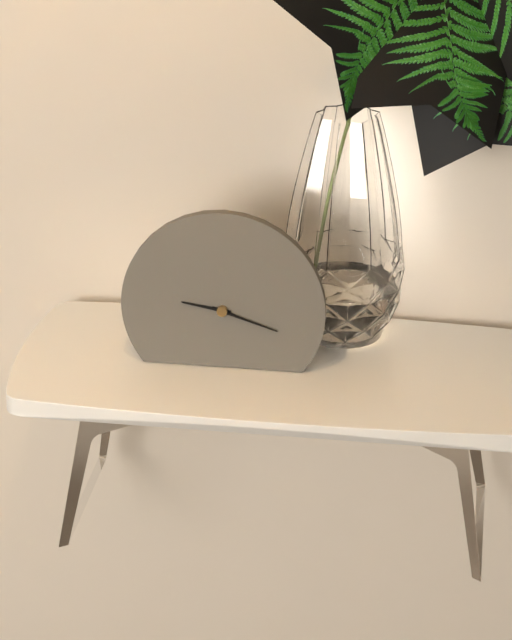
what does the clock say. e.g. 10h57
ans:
9h18
